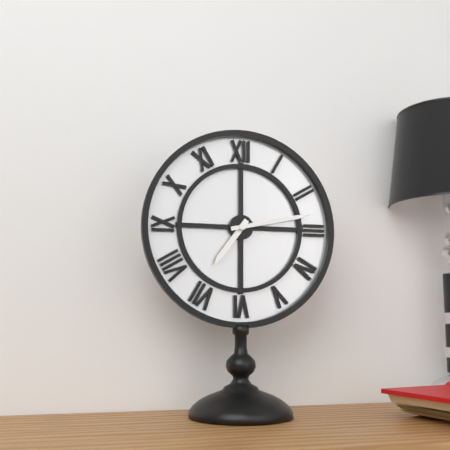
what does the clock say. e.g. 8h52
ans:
7h13
